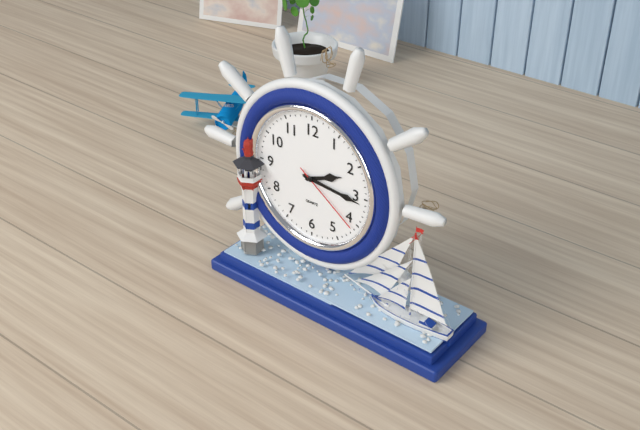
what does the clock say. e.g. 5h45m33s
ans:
2h16m21s
